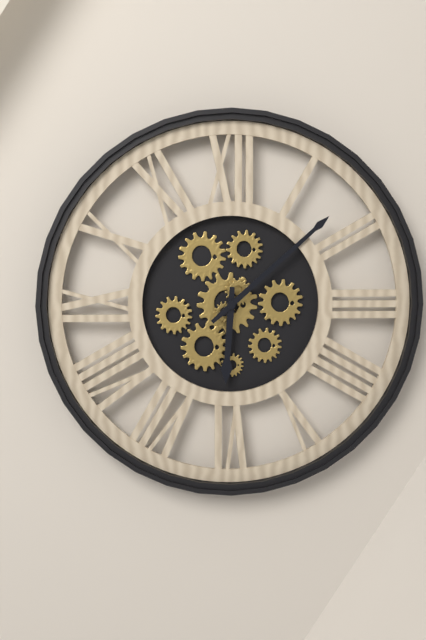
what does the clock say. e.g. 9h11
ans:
6h08
